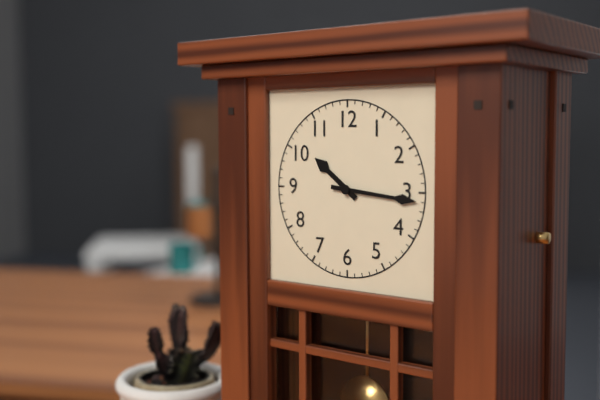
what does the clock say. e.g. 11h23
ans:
10h16
